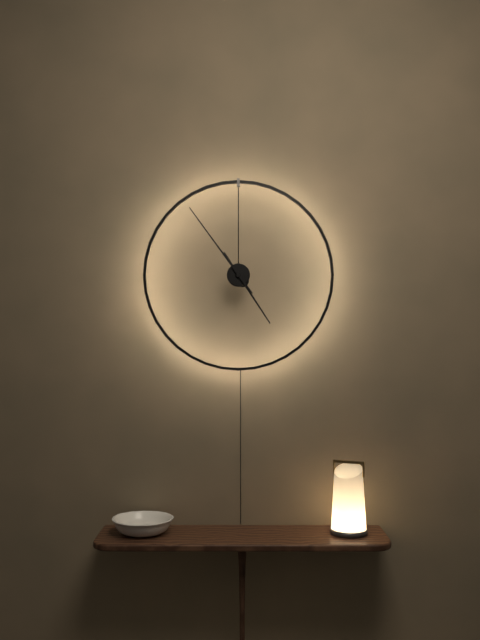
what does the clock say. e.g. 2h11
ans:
4h54
